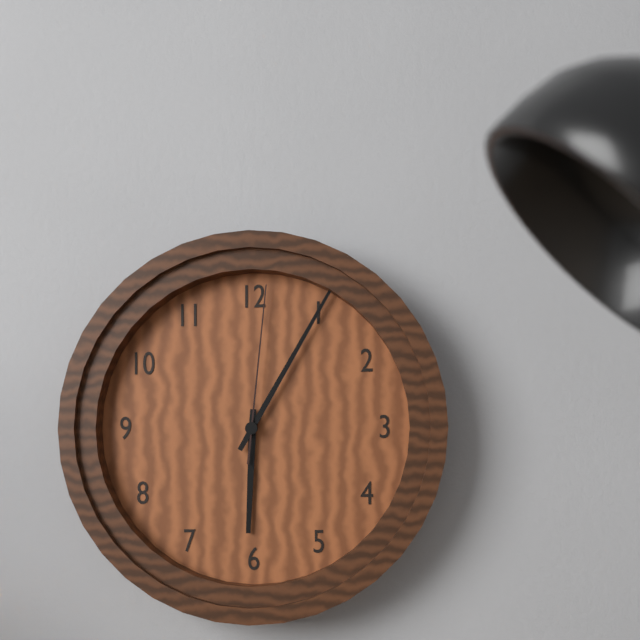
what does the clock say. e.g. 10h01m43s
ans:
6h05m01s
